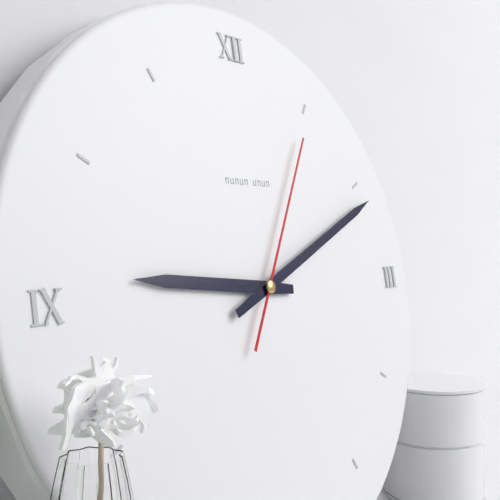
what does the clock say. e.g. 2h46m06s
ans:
9h11m05s
